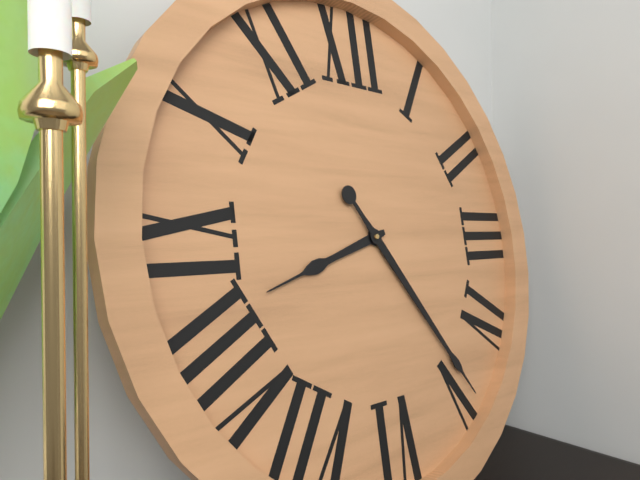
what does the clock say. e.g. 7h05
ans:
8h24
